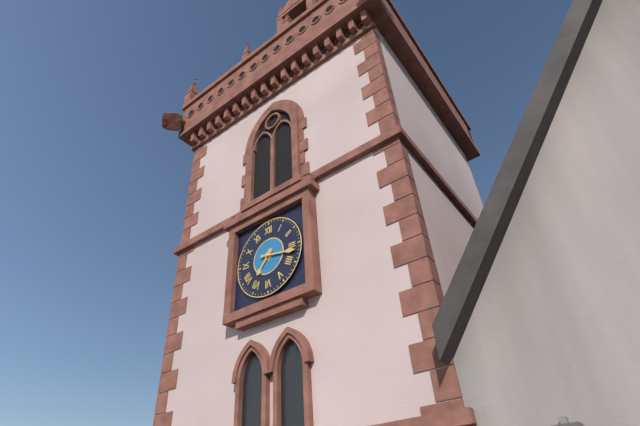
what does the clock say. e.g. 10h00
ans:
7h17
